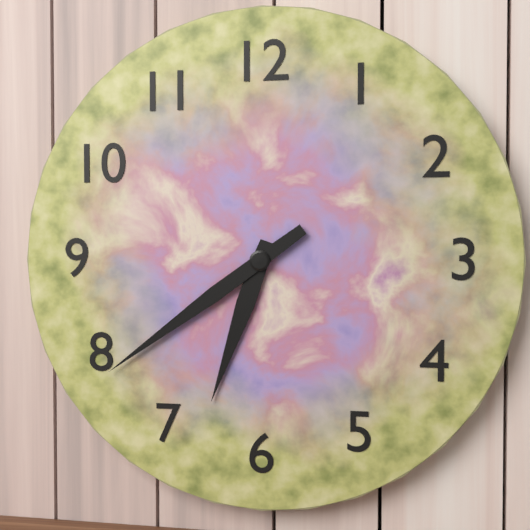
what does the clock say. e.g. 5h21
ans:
6h39
